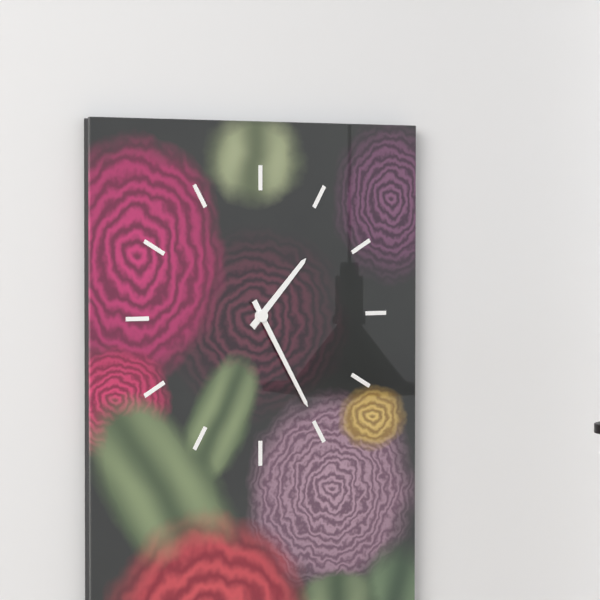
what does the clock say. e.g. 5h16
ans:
1h25
